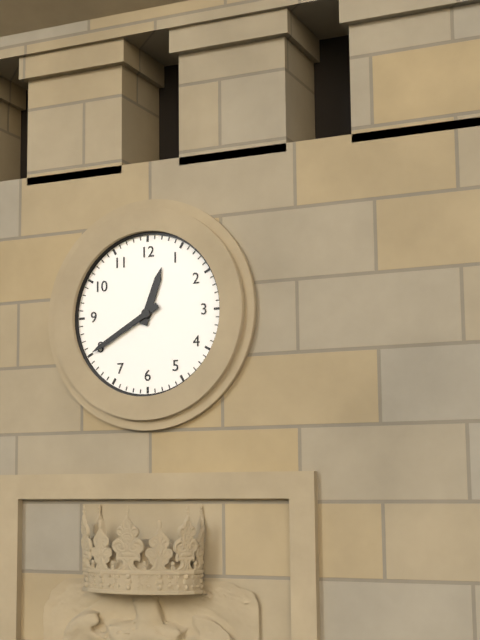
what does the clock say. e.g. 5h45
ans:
12h40
